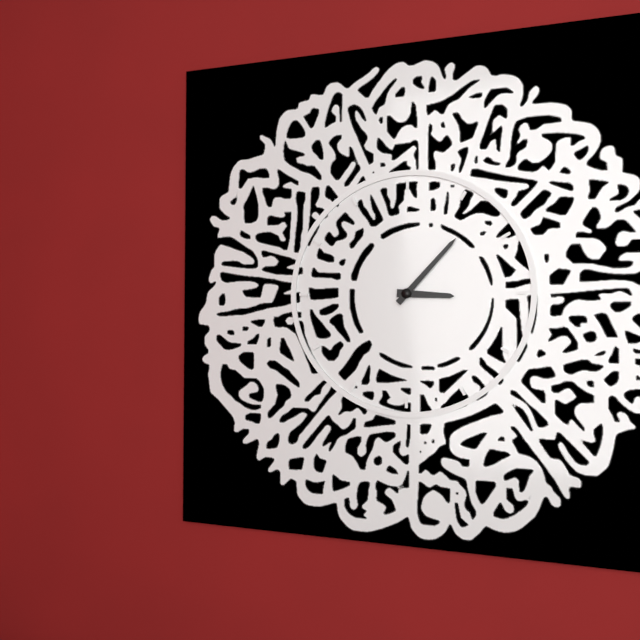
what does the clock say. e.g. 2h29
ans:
3h07
